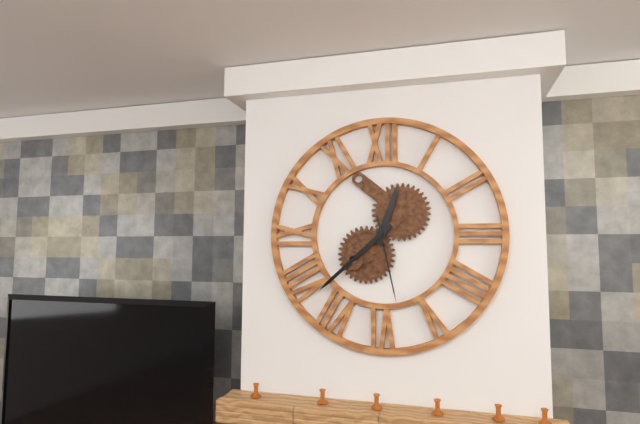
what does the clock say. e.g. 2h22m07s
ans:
12h38m28s
